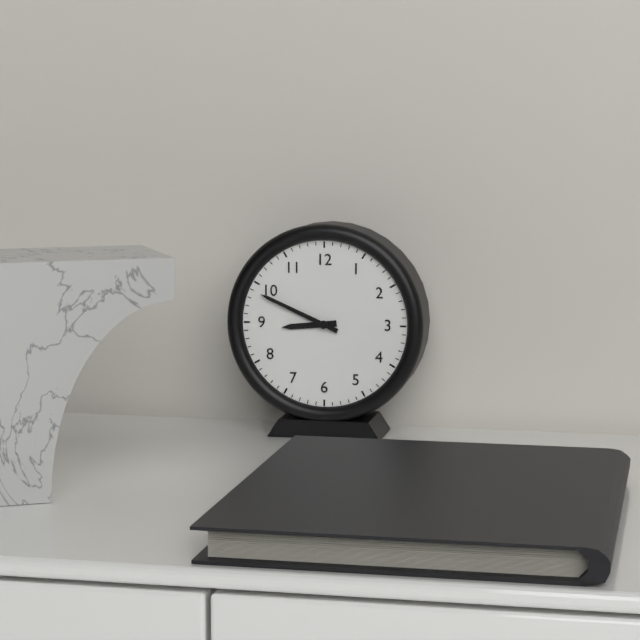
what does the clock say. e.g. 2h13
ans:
8h49
